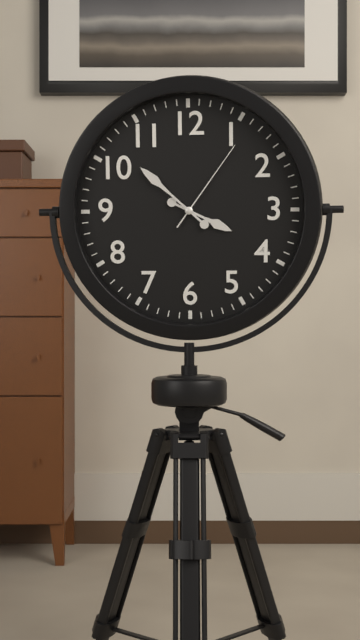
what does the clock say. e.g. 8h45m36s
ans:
3h52m06s
